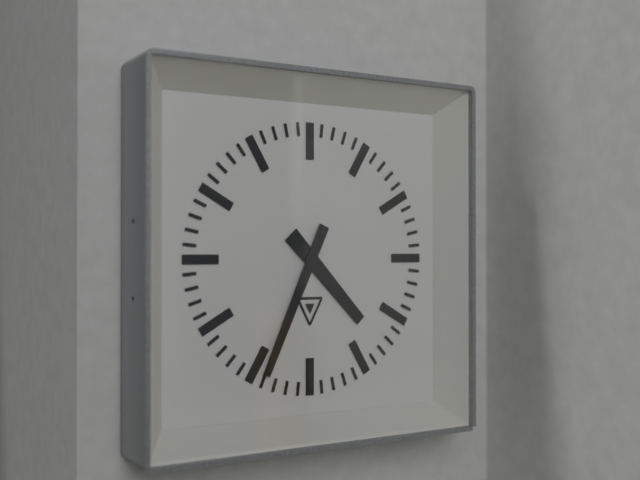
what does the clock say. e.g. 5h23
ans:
4h34
